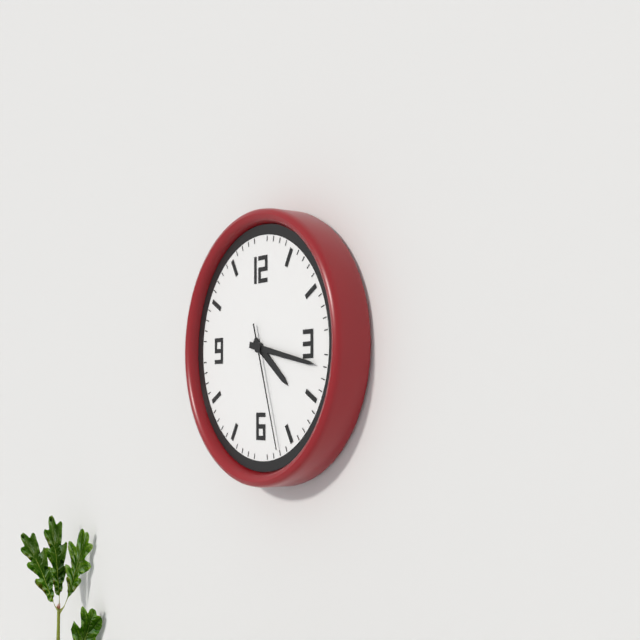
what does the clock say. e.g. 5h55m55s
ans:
4h17m27s
